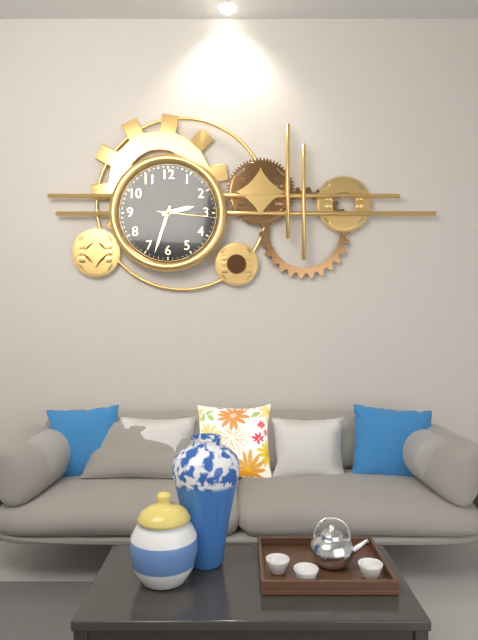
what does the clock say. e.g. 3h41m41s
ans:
2h33m16s
